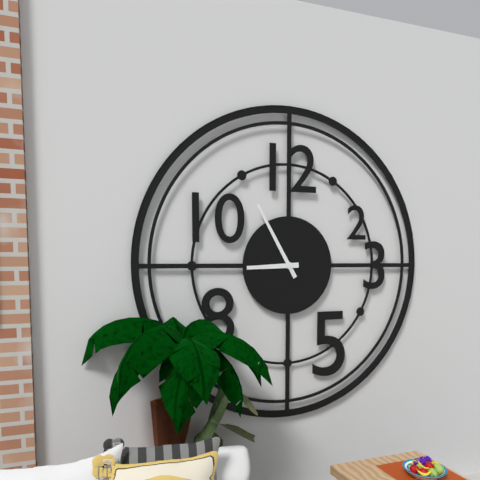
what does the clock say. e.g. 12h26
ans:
8h55
